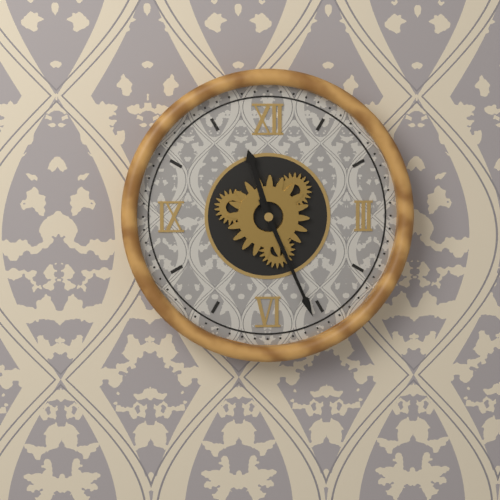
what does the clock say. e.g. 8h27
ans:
11h26
